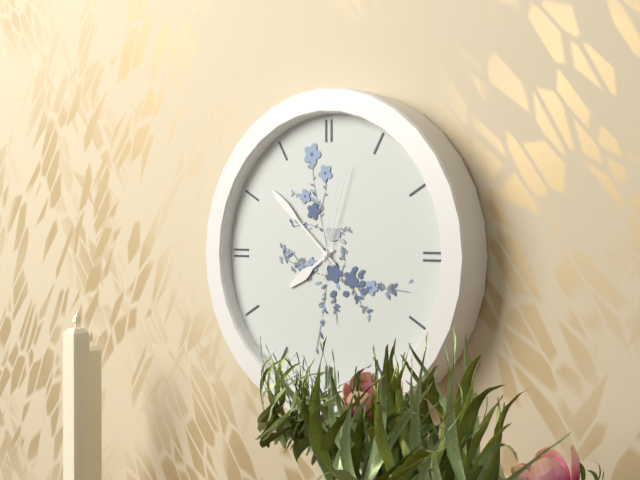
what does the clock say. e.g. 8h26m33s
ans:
7h52m03s
